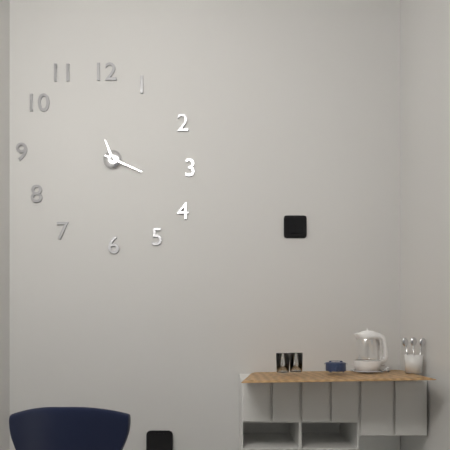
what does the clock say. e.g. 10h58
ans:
11h19
